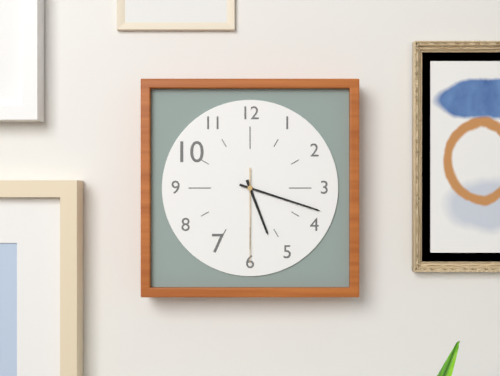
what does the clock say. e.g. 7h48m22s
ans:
5h18m30s
